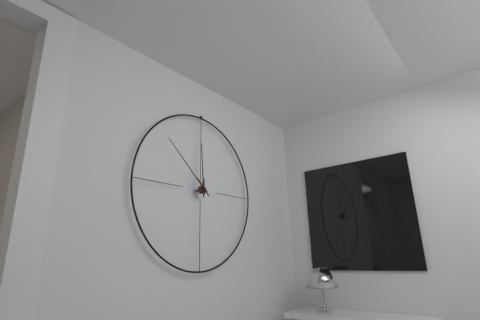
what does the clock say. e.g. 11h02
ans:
11h52
